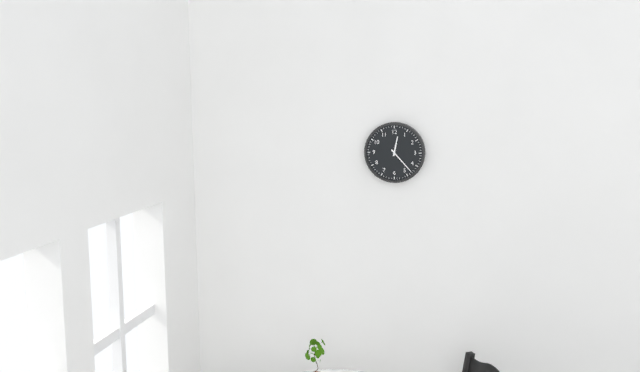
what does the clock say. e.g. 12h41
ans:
12h23
